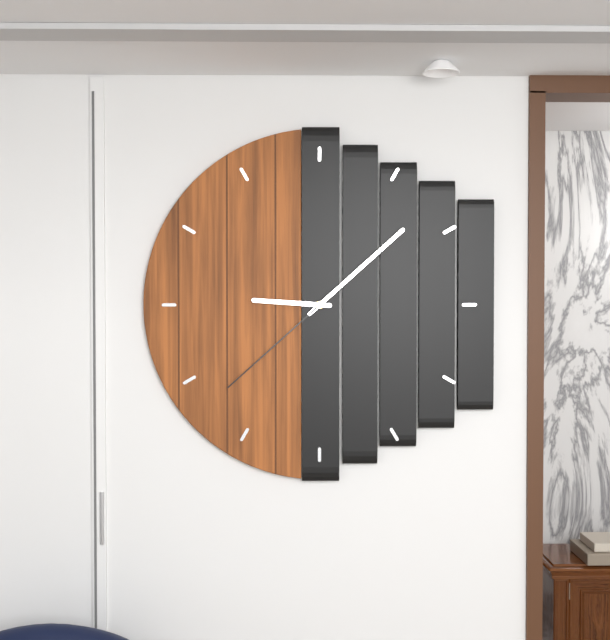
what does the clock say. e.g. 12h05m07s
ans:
9h08m38s
